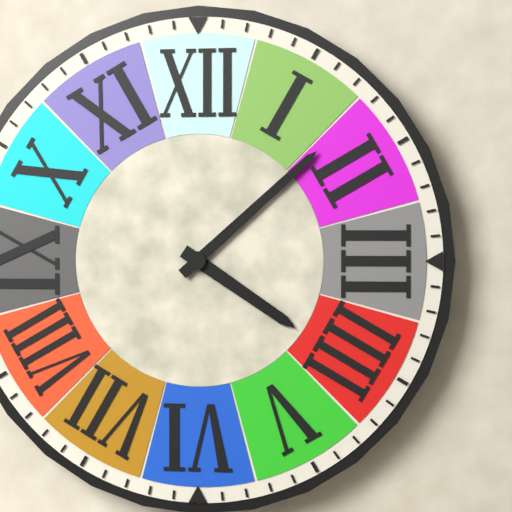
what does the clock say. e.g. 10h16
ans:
4h08
